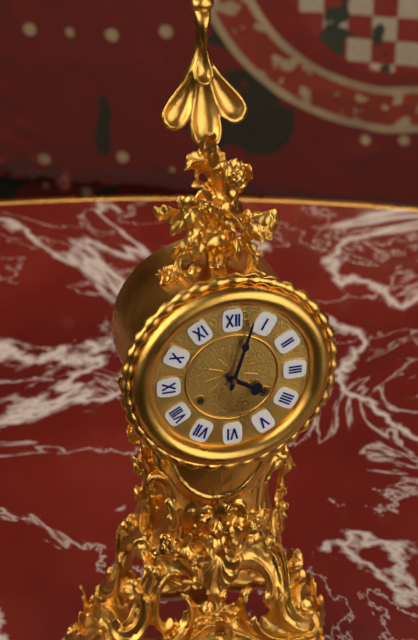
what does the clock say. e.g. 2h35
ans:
4h03
